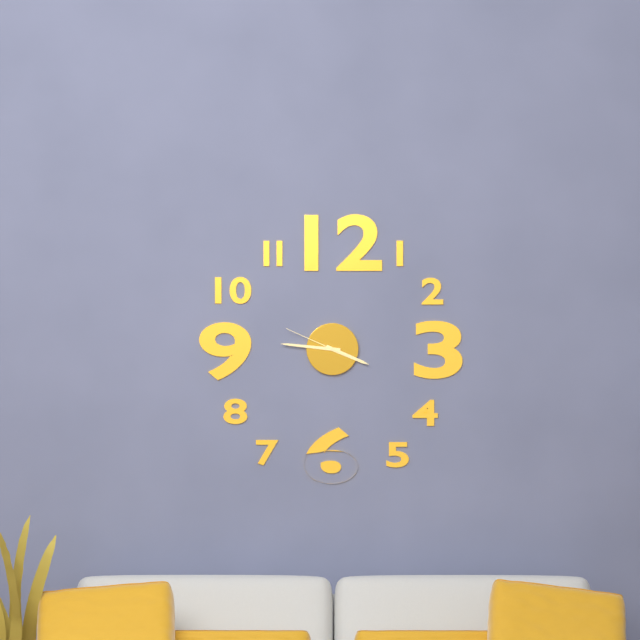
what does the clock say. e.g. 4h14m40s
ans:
3h46m49s
